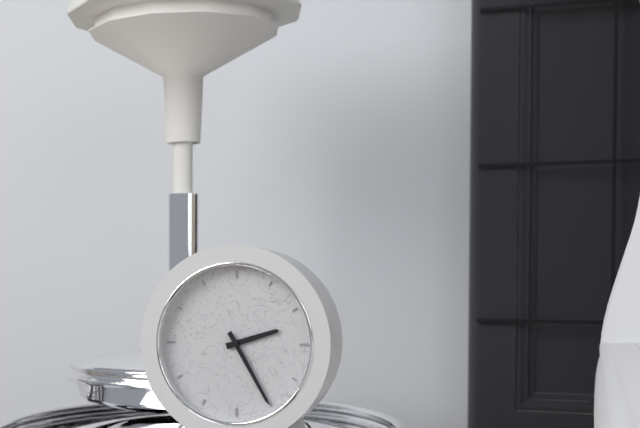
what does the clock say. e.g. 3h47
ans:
2h25
